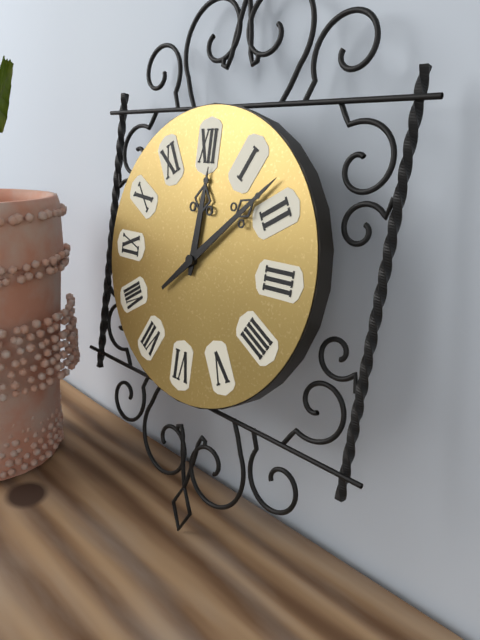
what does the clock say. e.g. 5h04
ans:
12h08
